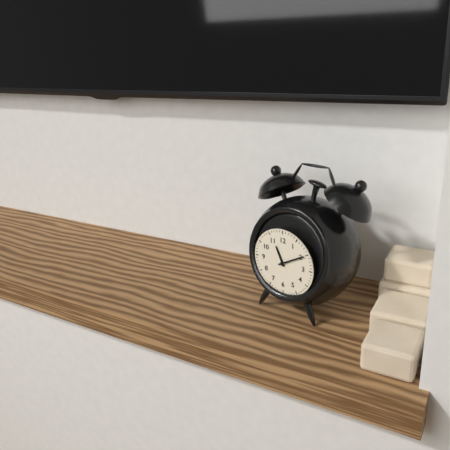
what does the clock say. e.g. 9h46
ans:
11h10
